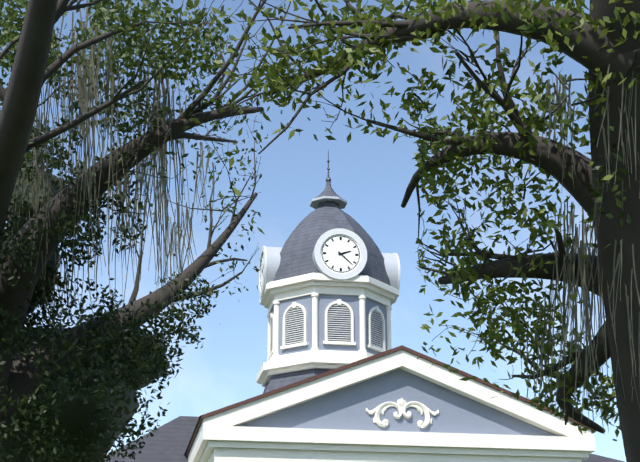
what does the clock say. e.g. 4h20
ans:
2h22
